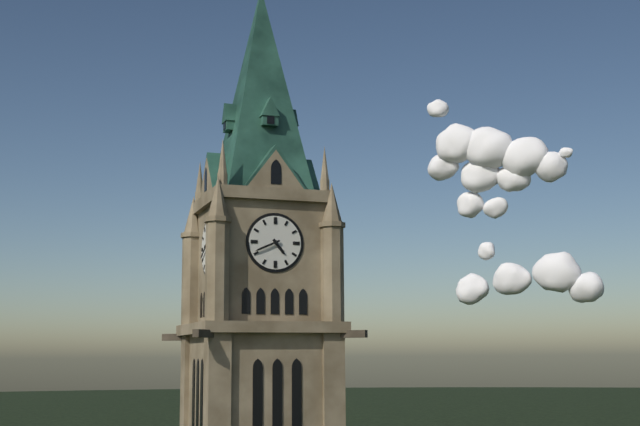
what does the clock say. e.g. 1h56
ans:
4h41
